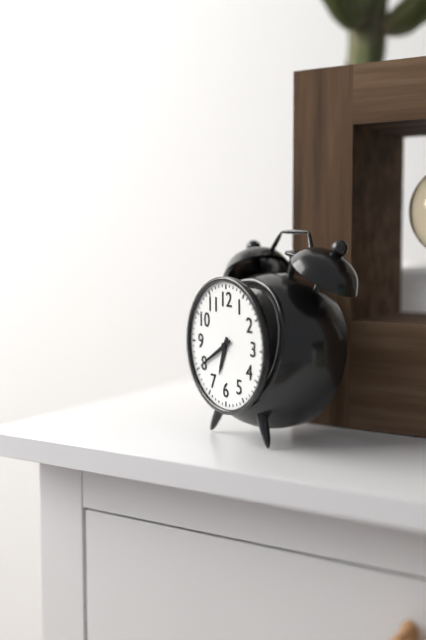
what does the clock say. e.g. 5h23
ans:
6h40
